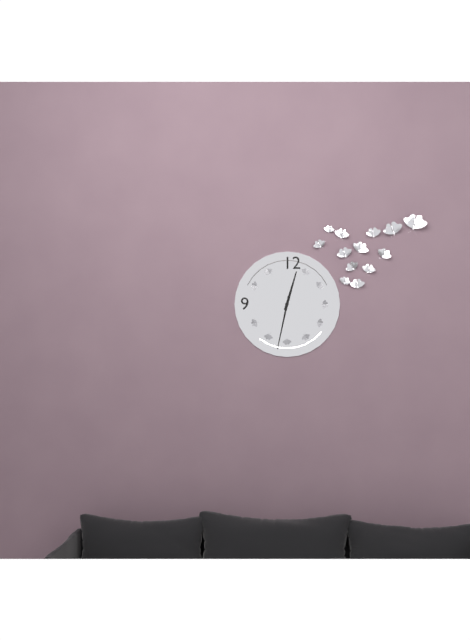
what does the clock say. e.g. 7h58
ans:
12h32
